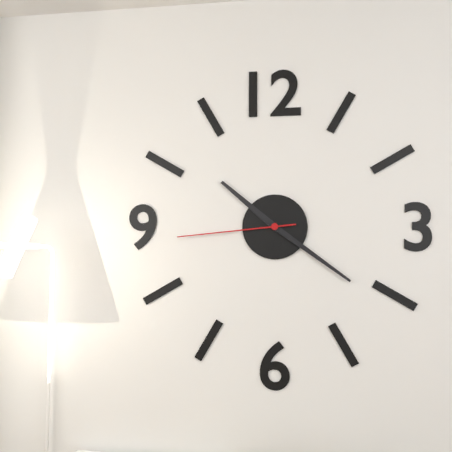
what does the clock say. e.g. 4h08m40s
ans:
10h21m44s
